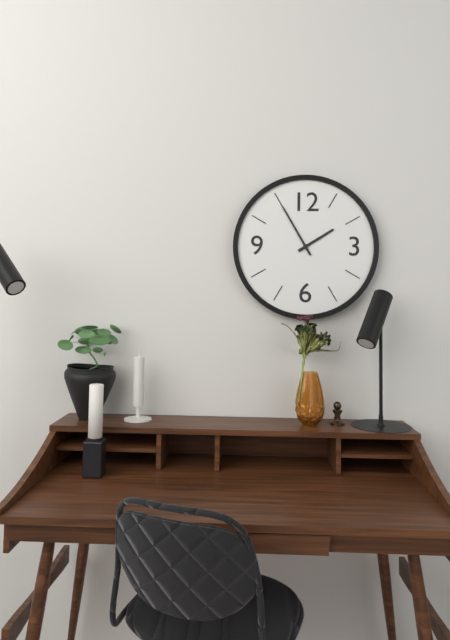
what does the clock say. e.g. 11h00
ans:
1h55
